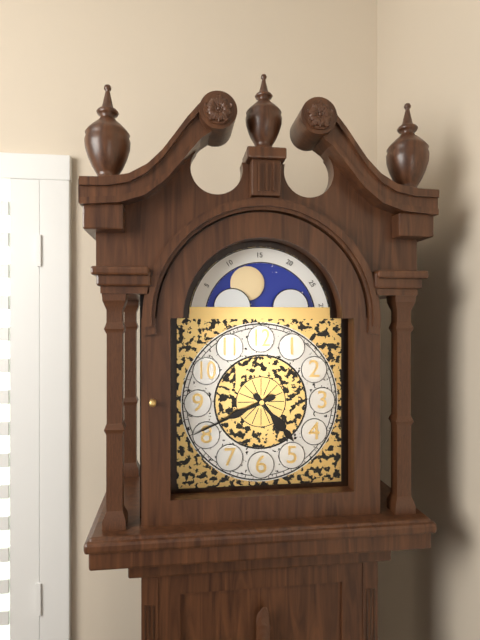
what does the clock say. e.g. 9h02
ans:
4h41
